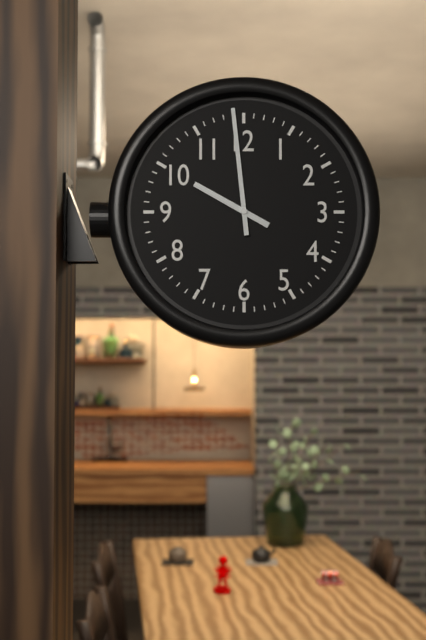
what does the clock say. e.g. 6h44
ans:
9h59
